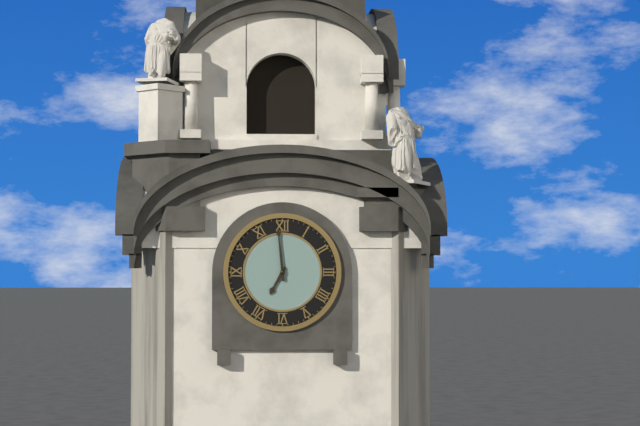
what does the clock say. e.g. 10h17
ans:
6h59
